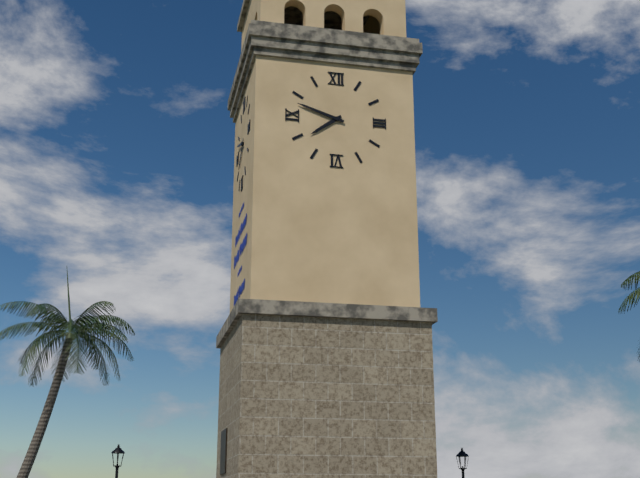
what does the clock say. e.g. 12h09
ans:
7h48
